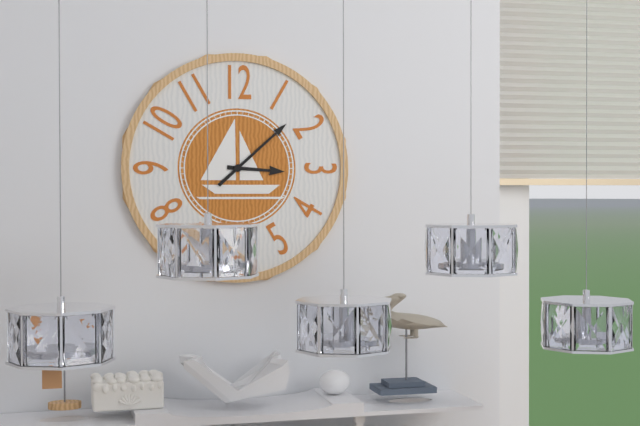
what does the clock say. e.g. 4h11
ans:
3h08
